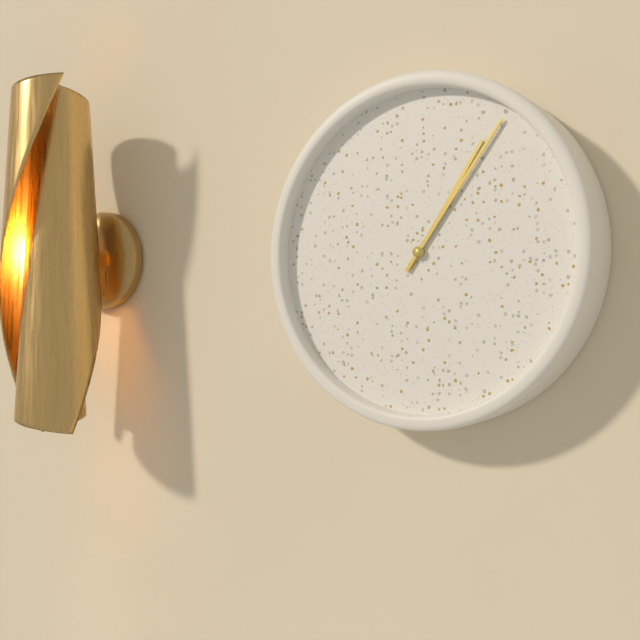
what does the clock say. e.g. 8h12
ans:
1h06
